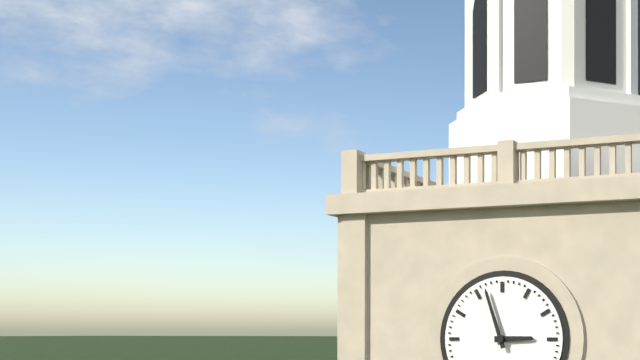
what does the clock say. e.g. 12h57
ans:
2h57
